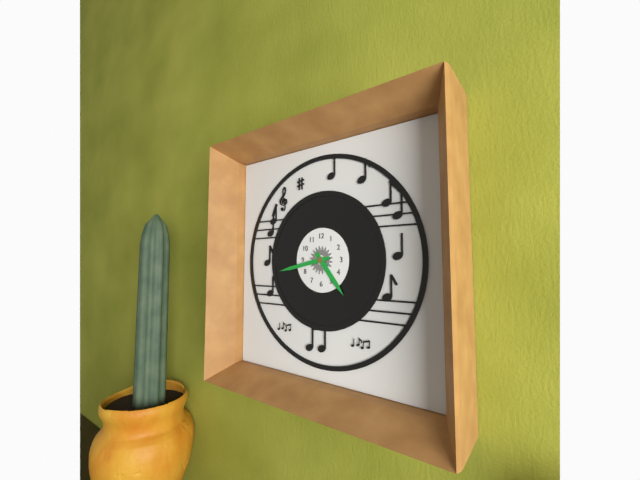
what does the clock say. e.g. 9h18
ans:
4h43
